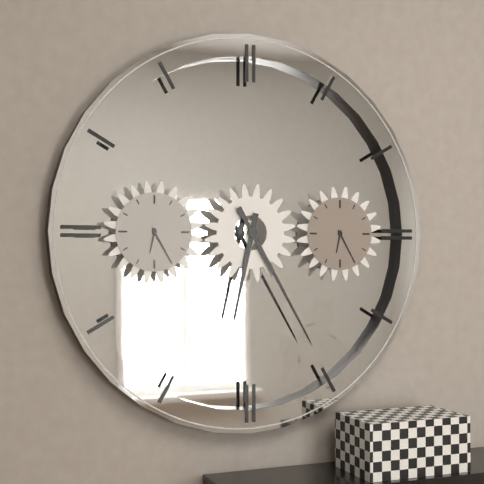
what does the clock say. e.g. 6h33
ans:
6h25
